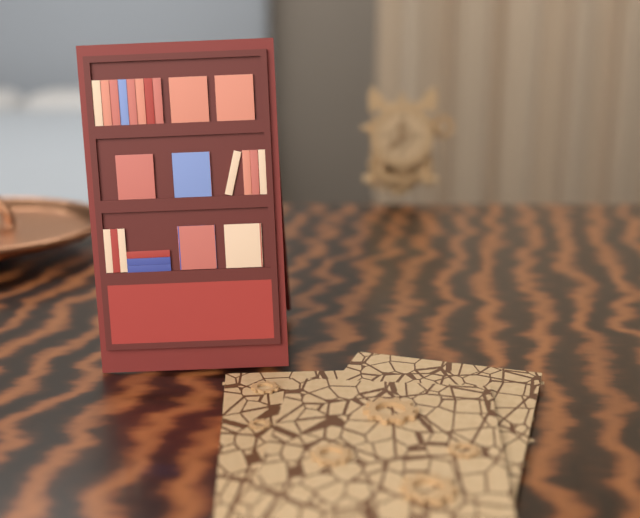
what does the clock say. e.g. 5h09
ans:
11h38
